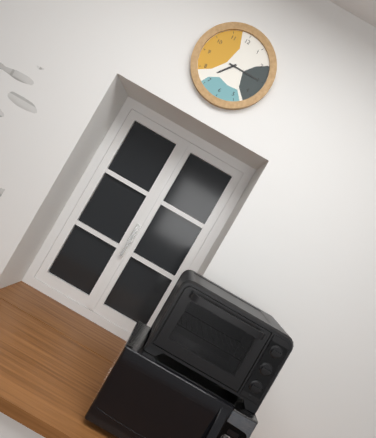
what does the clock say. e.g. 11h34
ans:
7h15
